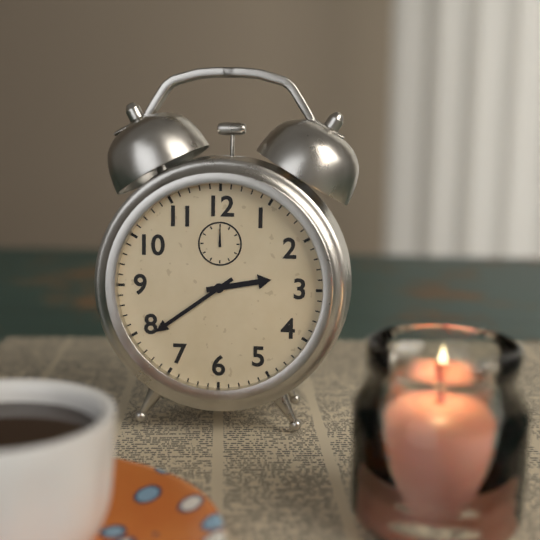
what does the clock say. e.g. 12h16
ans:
2h39
